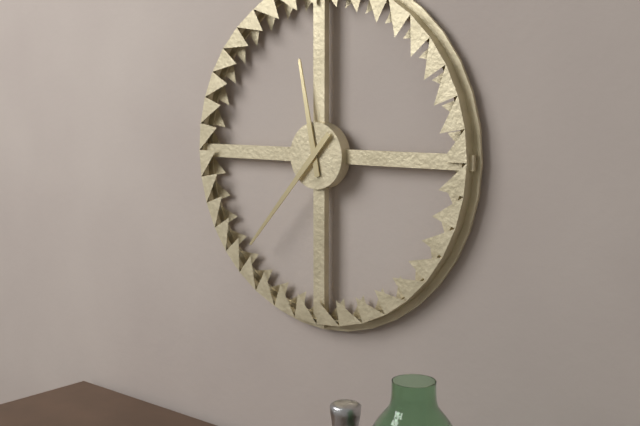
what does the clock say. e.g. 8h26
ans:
11h37
